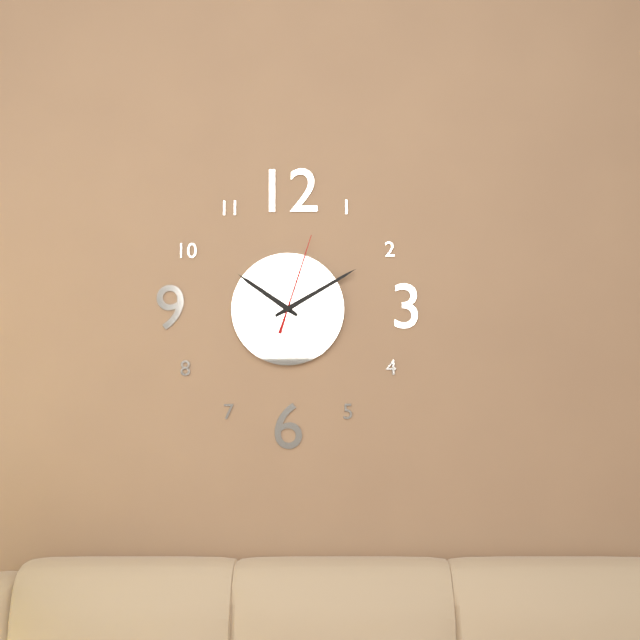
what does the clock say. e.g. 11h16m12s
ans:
10h10m03s
